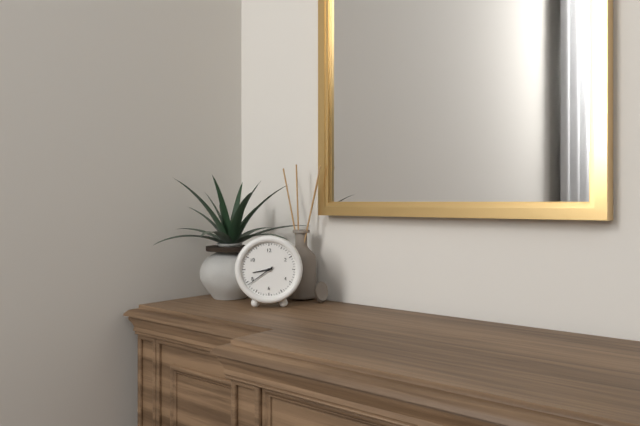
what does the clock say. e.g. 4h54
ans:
8h39
